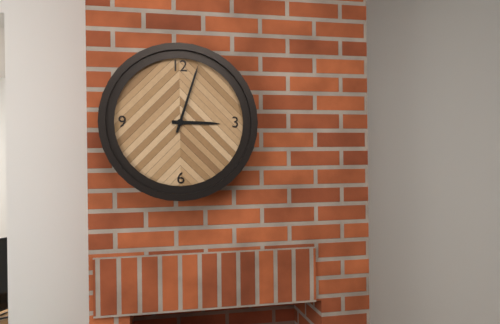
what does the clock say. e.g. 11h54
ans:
3h03
